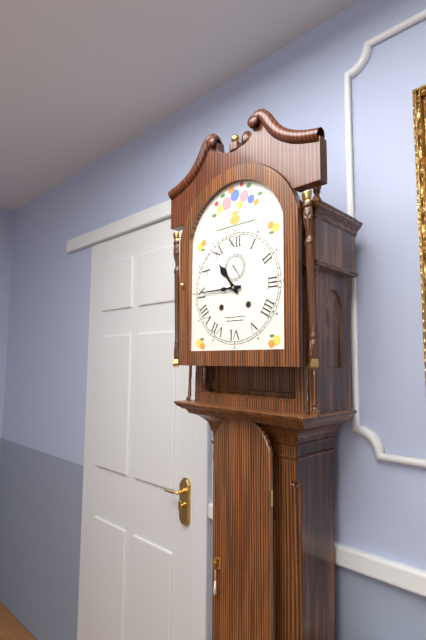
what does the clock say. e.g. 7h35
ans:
10h45
